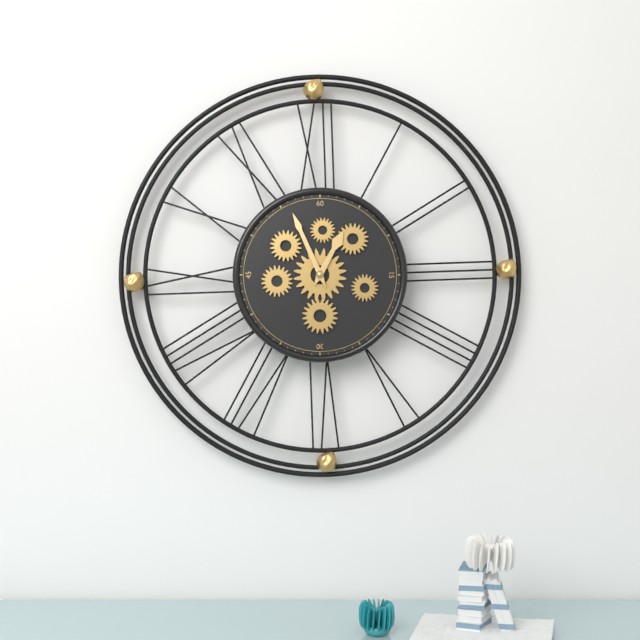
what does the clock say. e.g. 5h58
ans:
12h56
